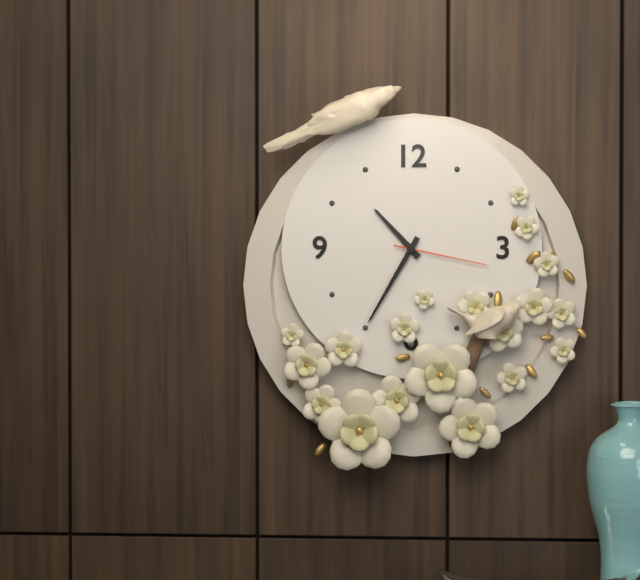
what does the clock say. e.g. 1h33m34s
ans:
10h35m17s
